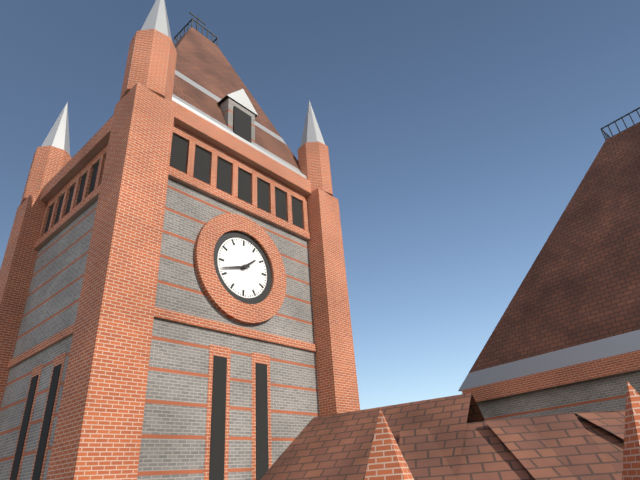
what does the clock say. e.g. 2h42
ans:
1h42
